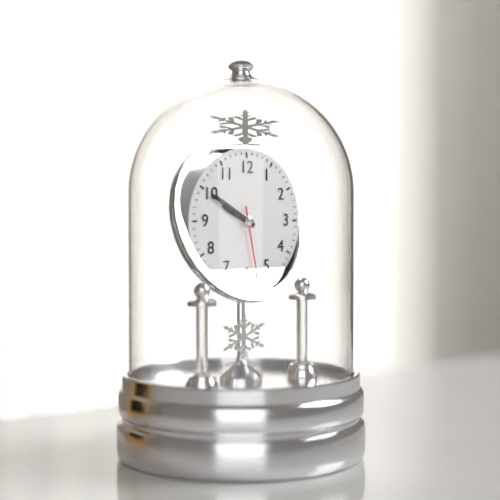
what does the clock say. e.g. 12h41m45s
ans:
9h50m28s
